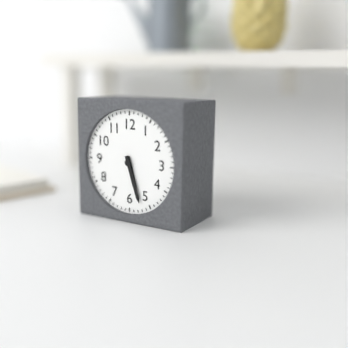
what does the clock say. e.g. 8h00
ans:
5h27
